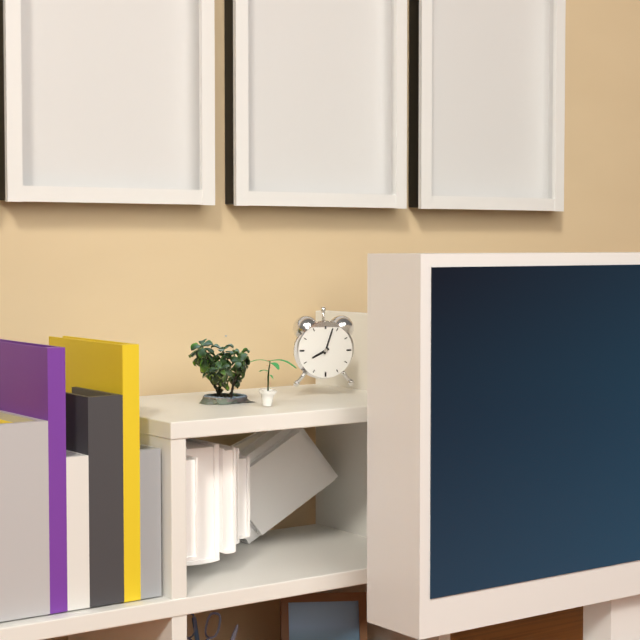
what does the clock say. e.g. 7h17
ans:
8h03
